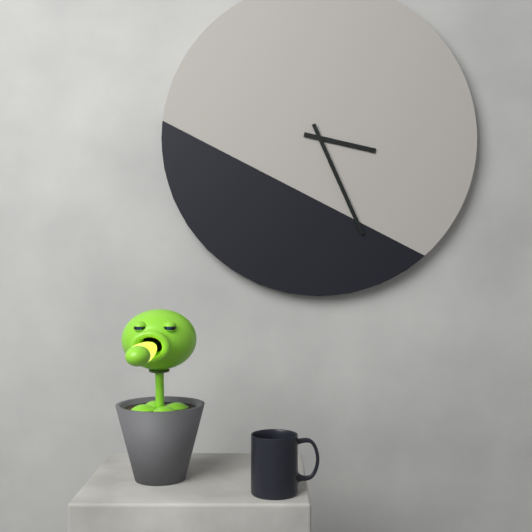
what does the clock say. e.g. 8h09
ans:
3h26
